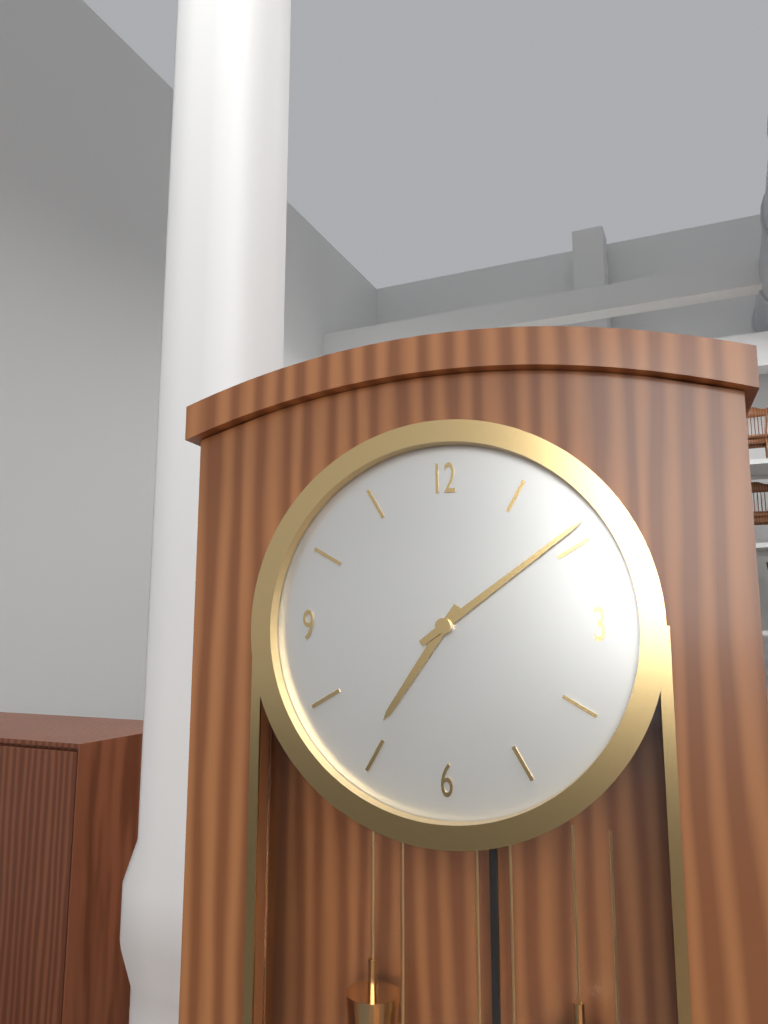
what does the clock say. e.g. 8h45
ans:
7h09
